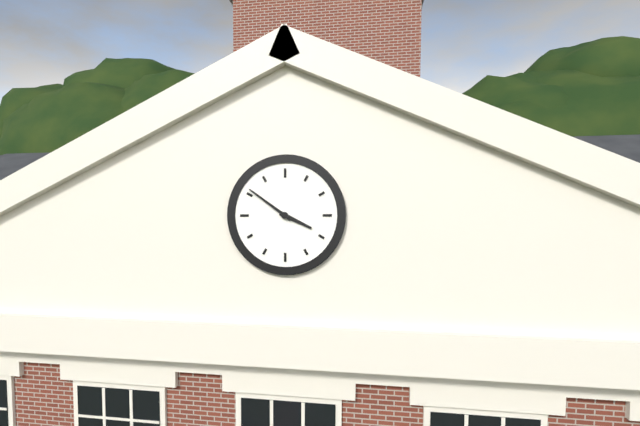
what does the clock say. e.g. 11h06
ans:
3h51
